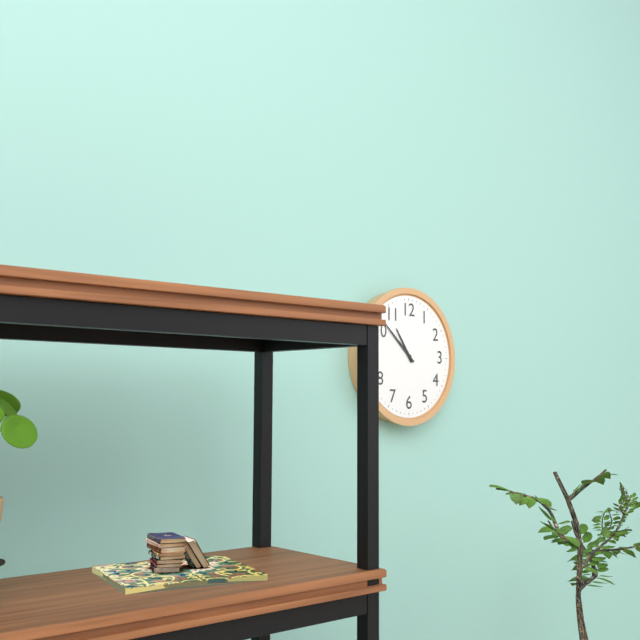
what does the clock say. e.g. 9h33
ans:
10h52
